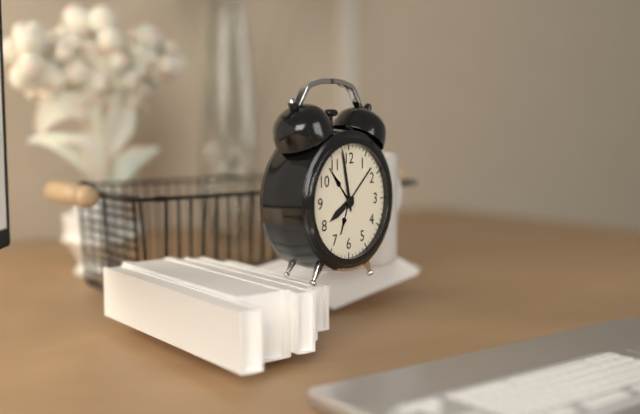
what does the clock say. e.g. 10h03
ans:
7h58
